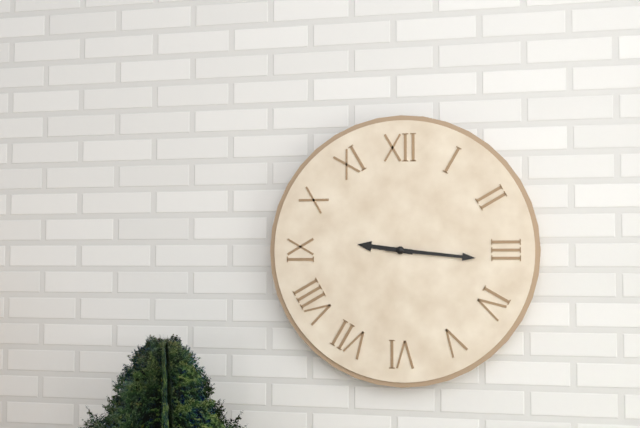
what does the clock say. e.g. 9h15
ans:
9h16
